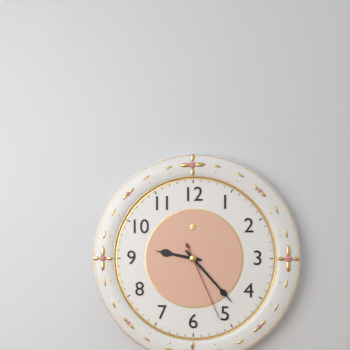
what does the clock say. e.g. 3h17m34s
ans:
9h23m26s
